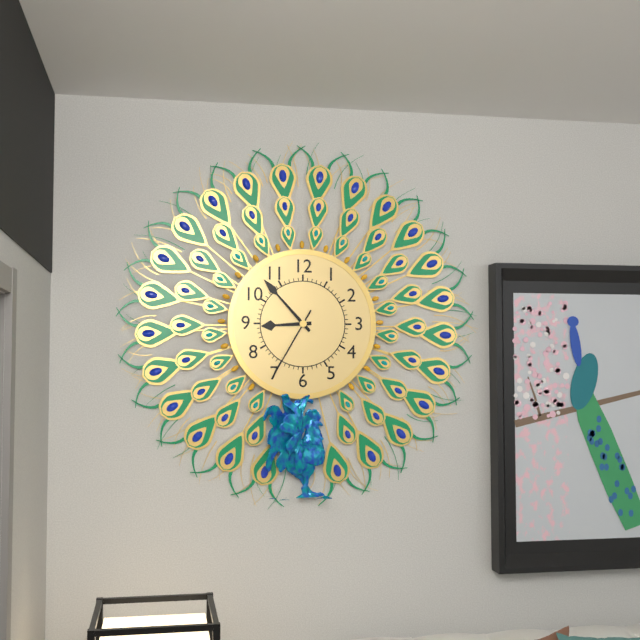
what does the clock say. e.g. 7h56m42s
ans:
8h53m35s
